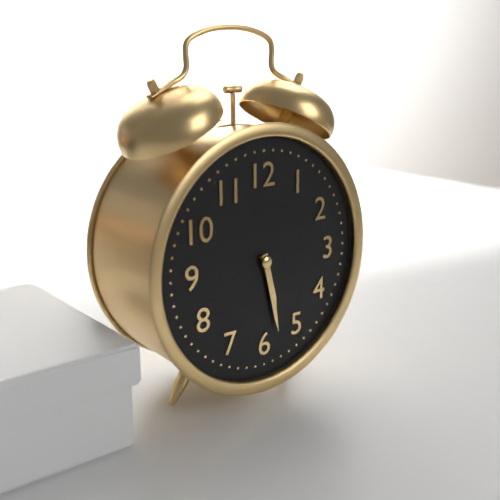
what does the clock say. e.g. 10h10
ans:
5h28
